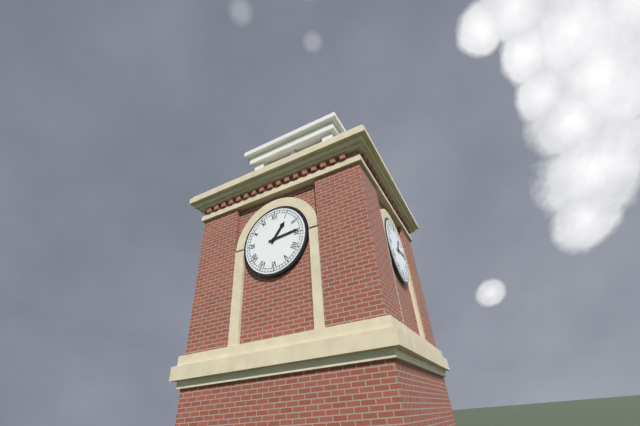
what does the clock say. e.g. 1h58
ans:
1h14
